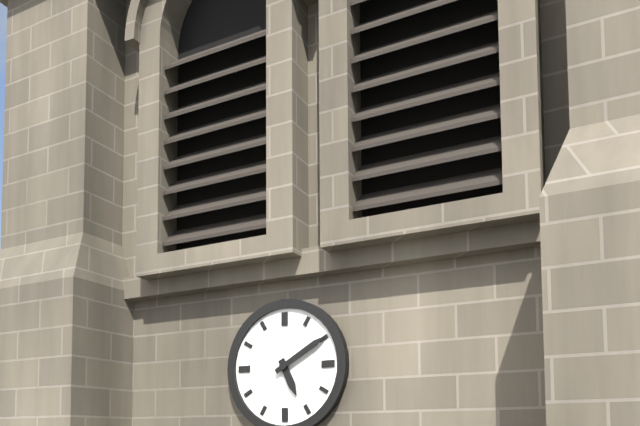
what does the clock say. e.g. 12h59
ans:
5h10
